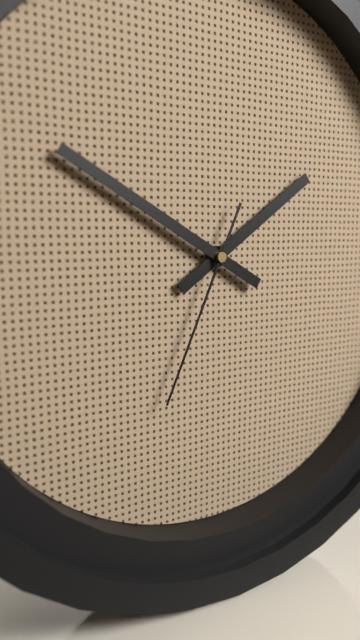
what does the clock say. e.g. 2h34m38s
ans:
1h50m34s
